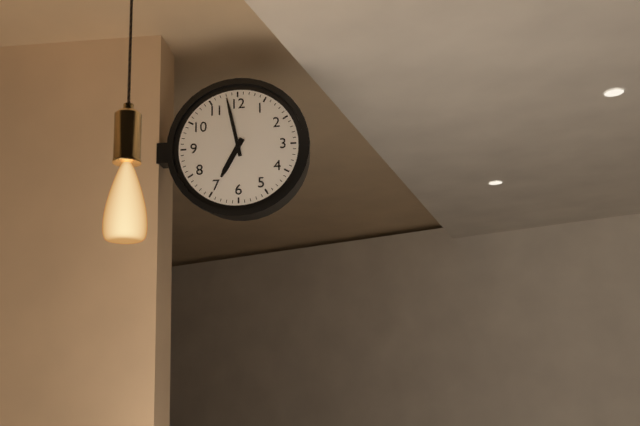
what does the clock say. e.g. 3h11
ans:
6h58
